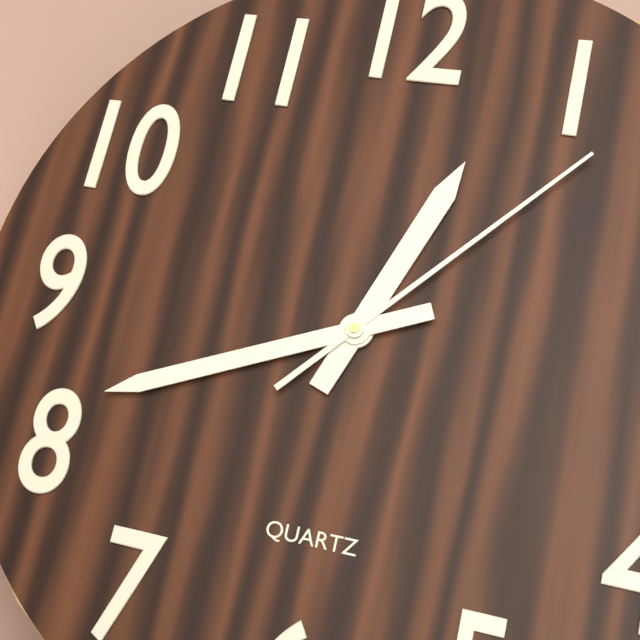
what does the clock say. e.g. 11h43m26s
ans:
12h41m07s
